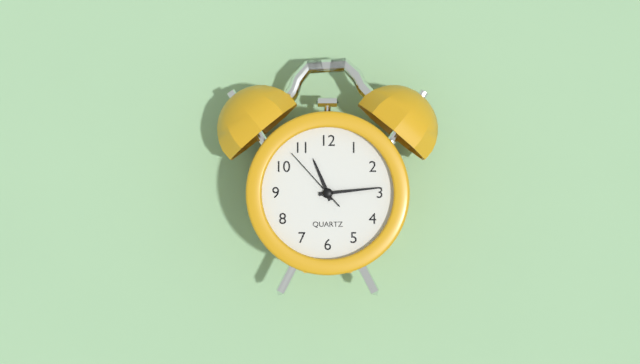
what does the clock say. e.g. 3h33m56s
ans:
11h14m53s
